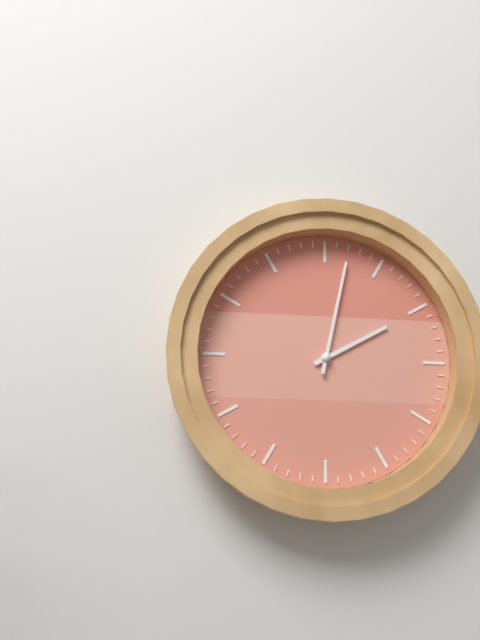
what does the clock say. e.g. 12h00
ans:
2h02
